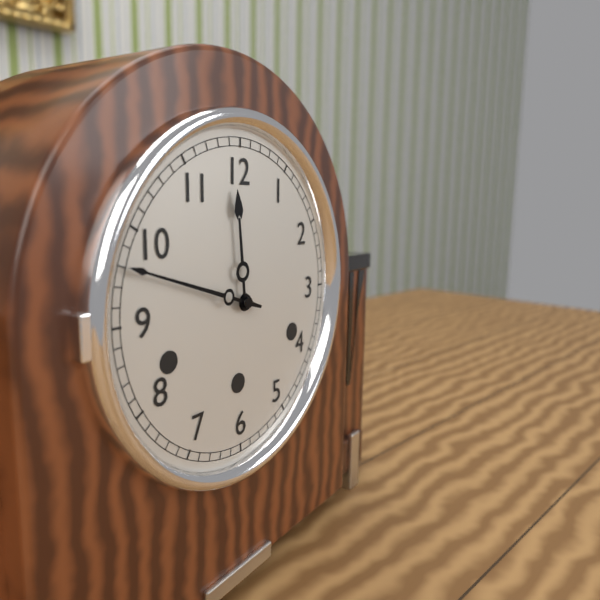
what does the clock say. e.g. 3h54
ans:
11h48
